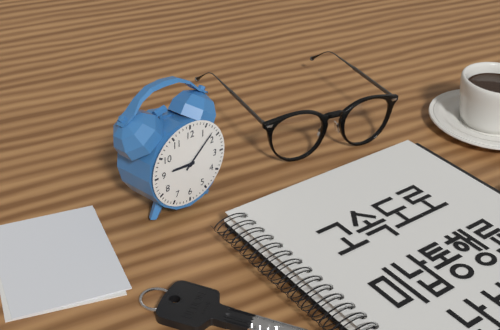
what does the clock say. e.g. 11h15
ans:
9h08
